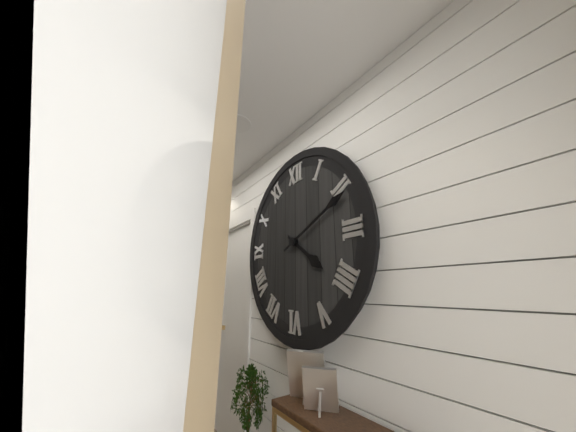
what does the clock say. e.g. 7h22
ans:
4h11
